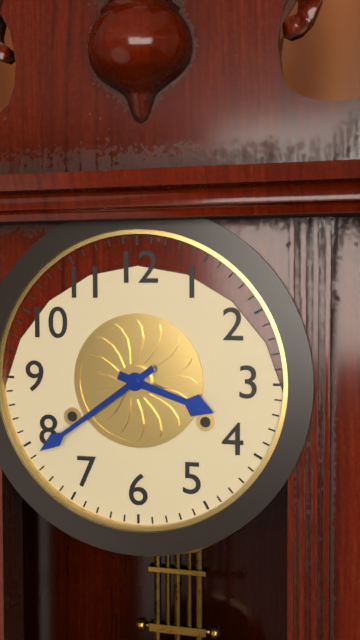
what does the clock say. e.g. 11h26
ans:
3h39
